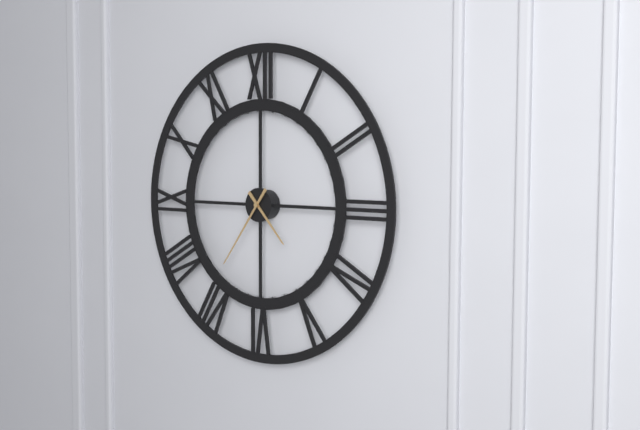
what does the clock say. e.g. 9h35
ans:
4h36
